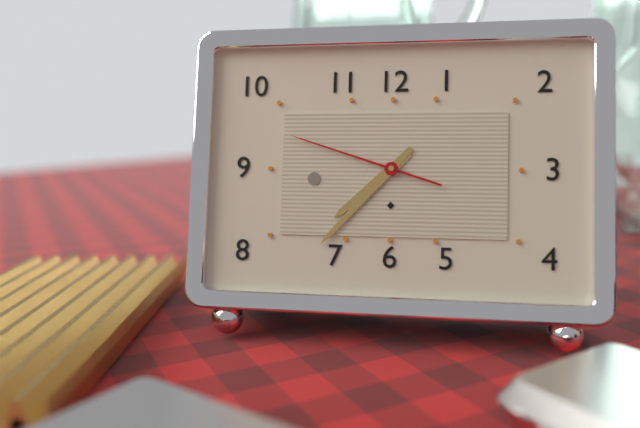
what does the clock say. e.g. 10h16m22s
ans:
7h37m48s
